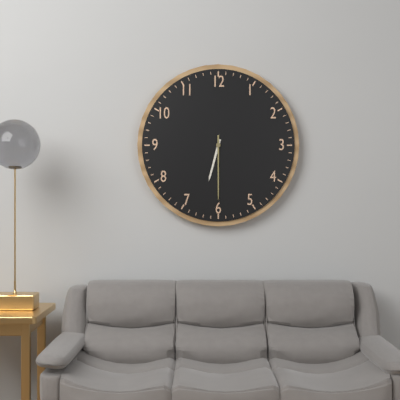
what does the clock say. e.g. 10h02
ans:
6h30
